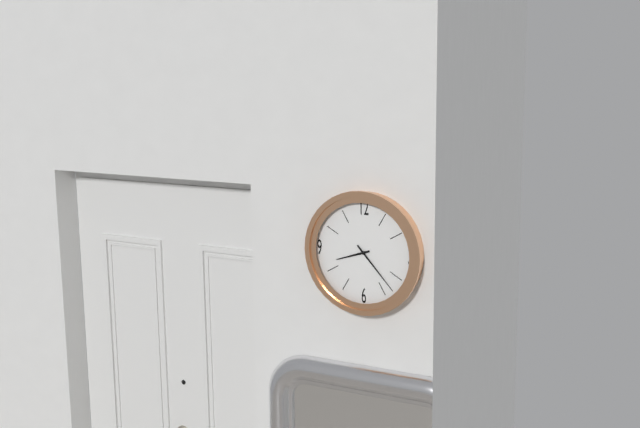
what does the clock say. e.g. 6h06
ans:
8h23
